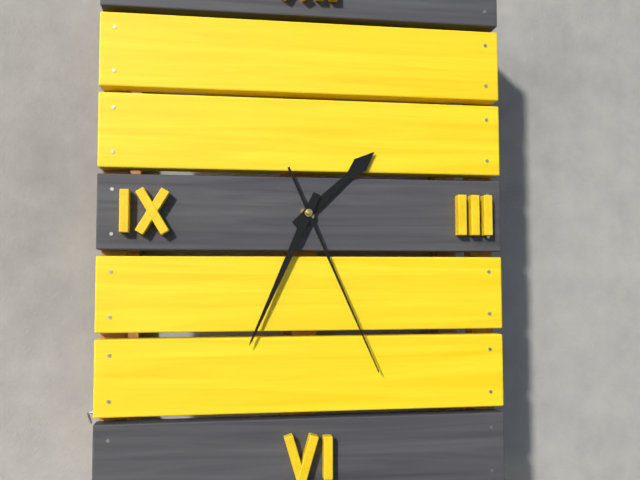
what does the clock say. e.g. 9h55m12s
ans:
1h34m26s
